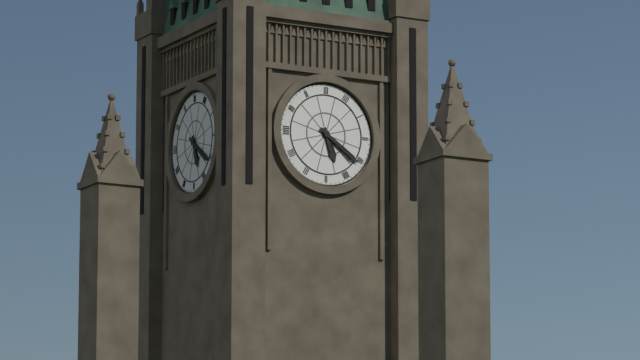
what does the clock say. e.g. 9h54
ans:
5h21
